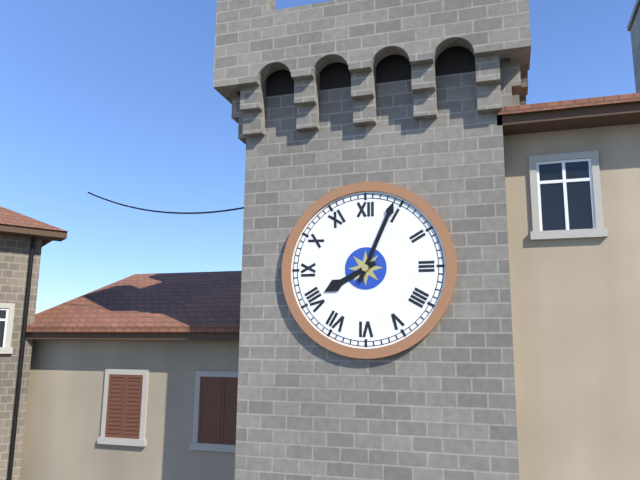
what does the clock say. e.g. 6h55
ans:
8h04
